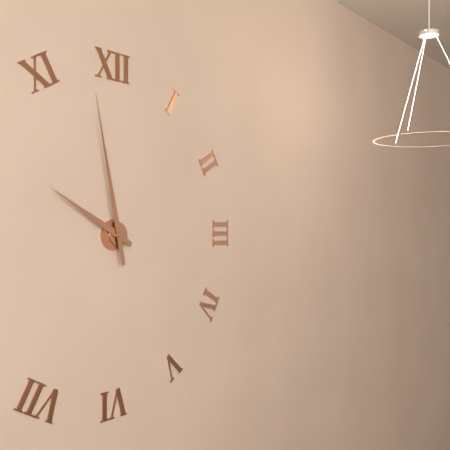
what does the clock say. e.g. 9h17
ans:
9h58
